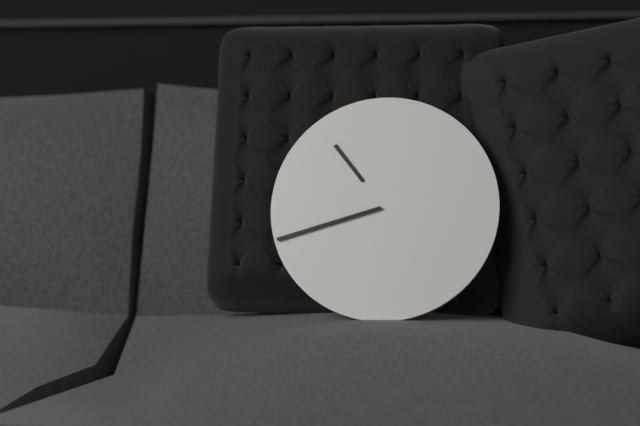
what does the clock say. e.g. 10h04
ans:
10h42
